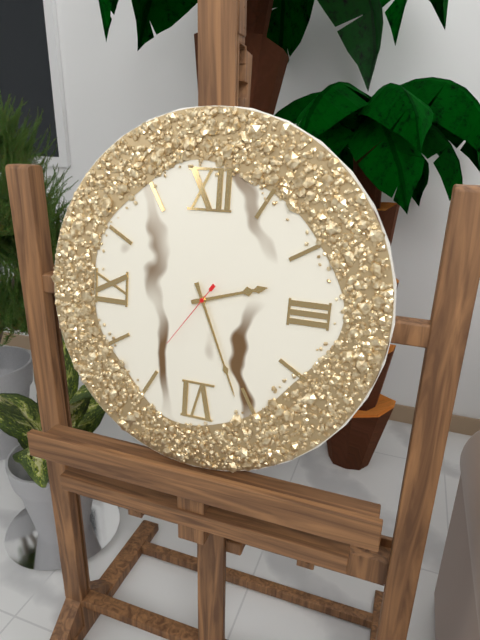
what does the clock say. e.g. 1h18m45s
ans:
2h26m36s
